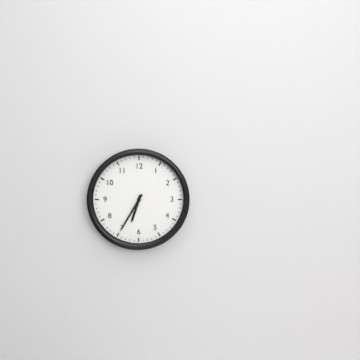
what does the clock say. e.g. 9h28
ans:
6h35
